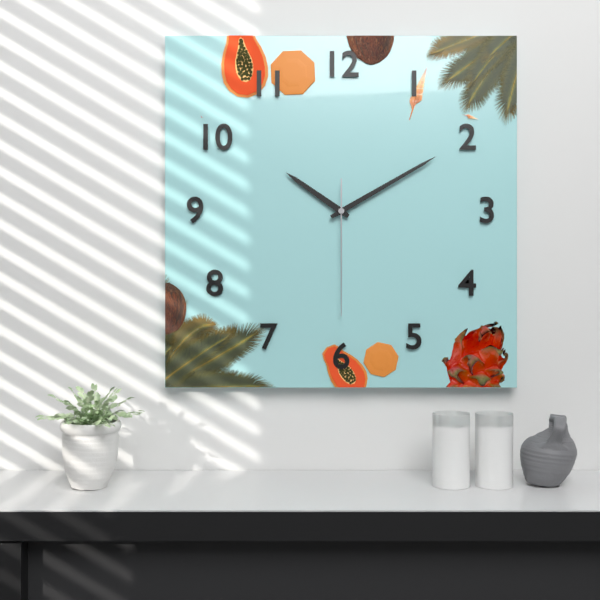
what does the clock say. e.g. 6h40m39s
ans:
10h10m30s
